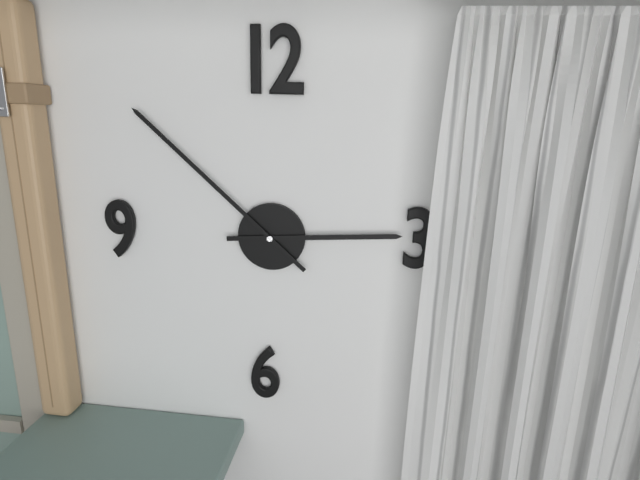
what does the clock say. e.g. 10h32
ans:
2h52
